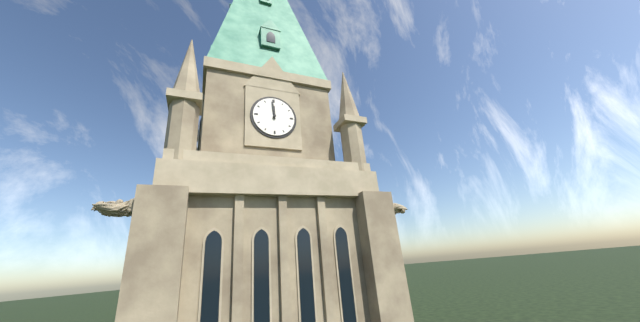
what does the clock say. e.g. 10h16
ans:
11h59
